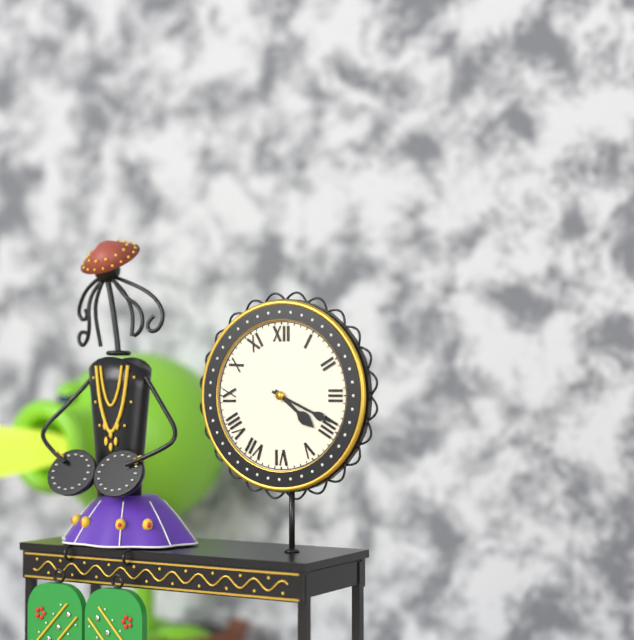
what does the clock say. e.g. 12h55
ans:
4h19
